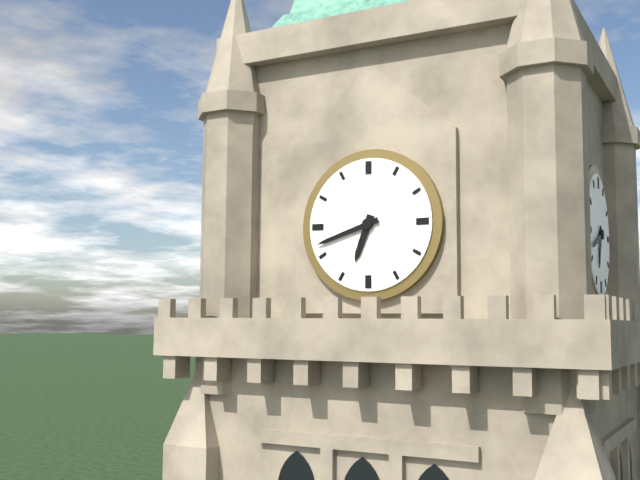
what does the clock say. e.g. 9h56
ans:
6h42
